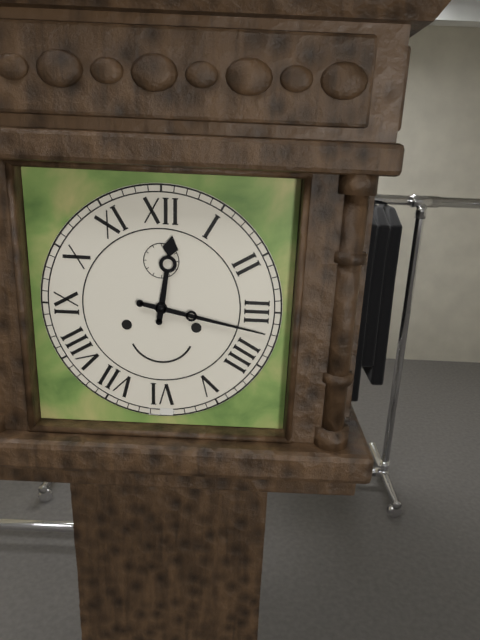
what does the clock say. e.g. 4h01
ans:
12h17
